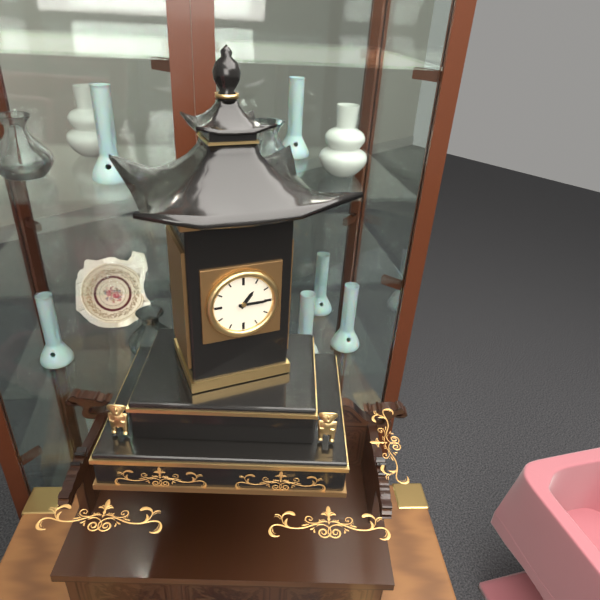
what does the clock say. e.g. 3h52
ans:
1h15
